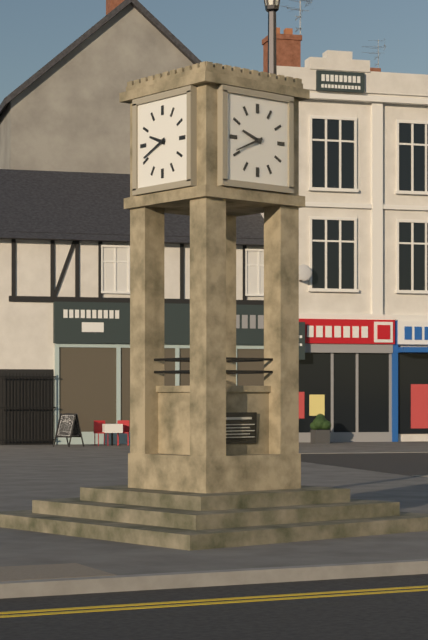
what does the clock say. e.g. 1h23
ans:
9h41
